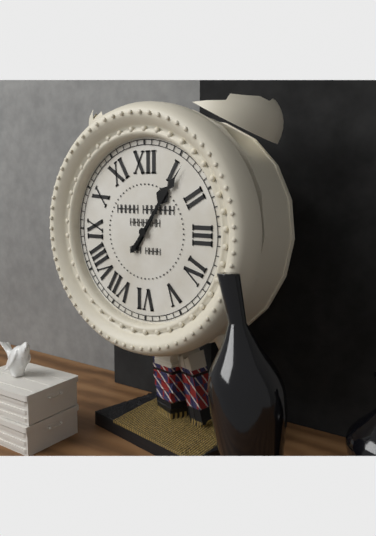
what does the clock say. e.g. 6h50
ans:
1h06
